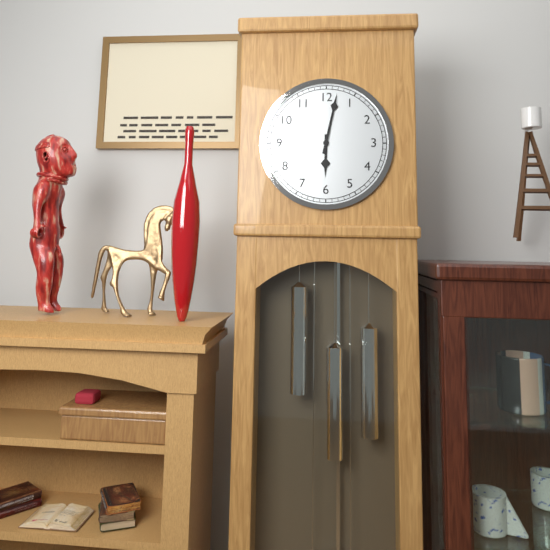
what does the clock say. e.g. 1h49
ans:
6h02
